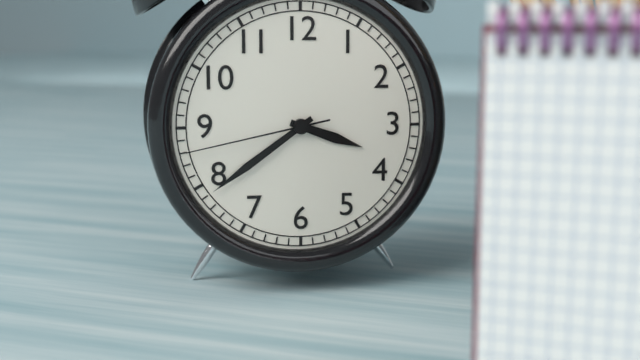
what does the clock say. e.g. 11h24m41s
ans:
3h39m43s
